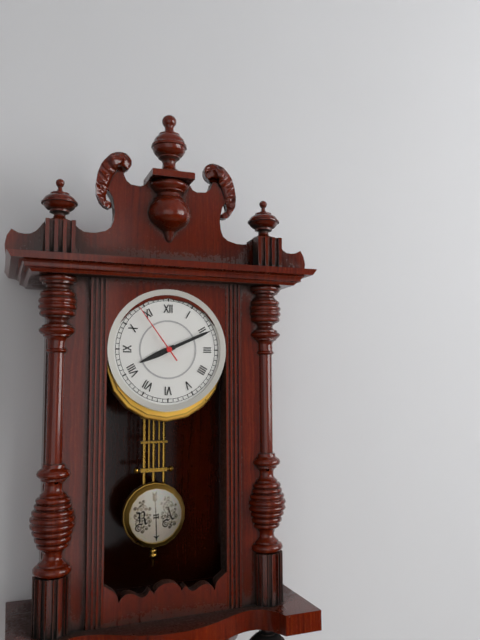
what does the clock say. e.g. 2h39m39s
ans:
8h11m54s
